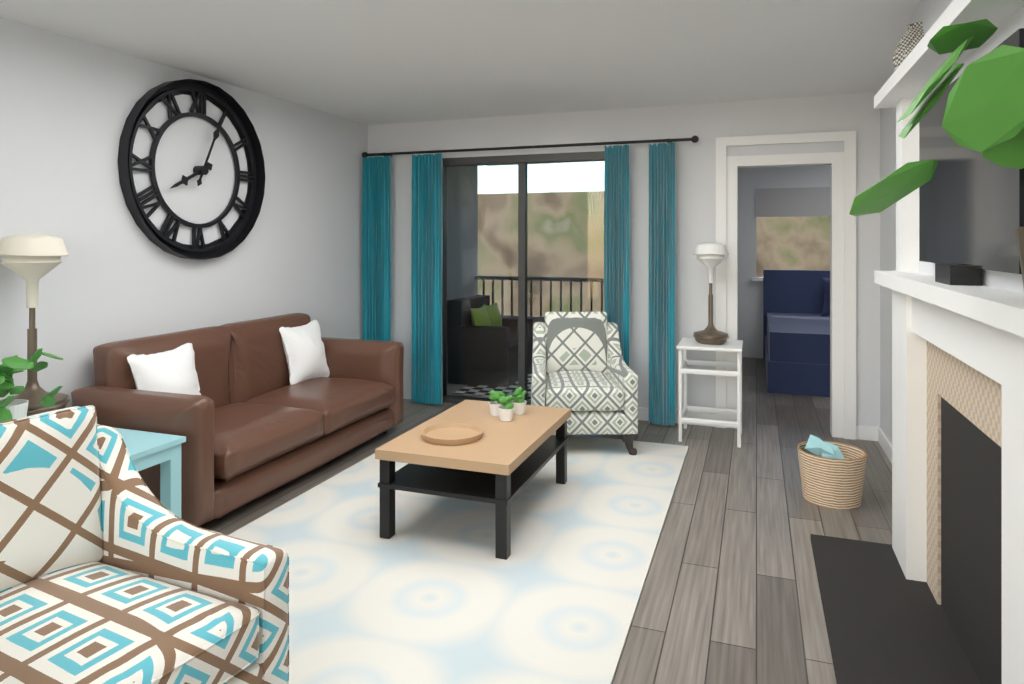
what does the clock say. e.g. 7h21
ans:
8h04
